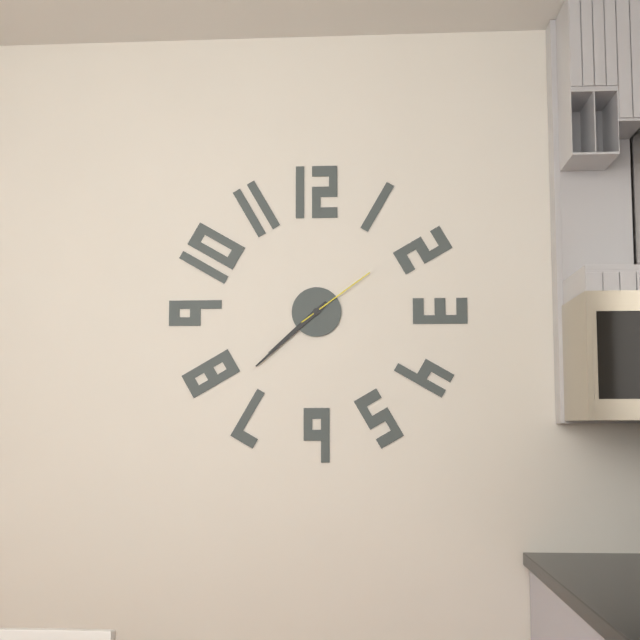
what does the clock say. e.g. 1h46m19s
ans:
7h38m09s
